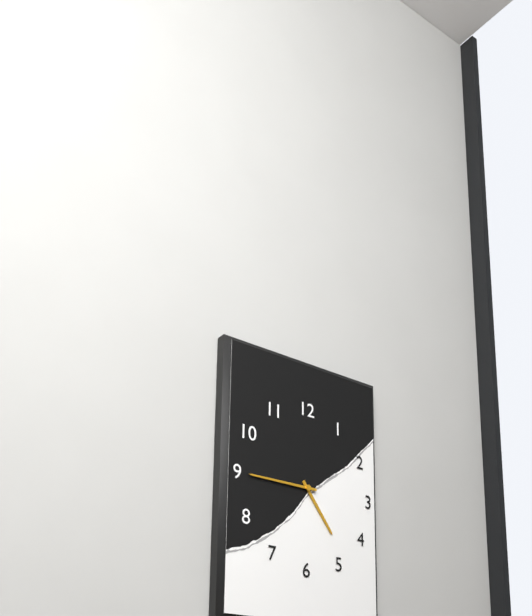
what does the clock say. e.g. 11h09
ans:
4h45
